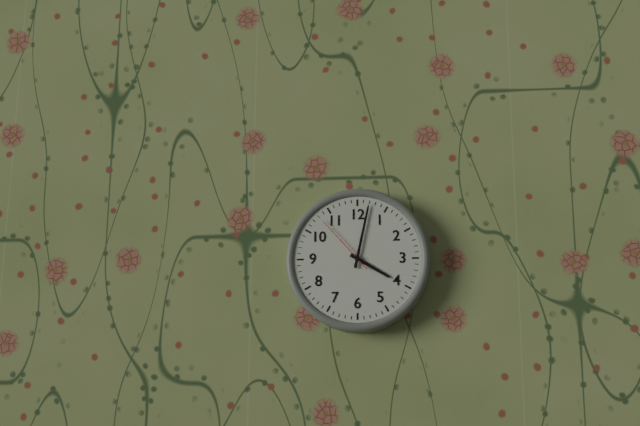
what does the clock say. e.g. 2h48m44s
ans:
4h02m53s
